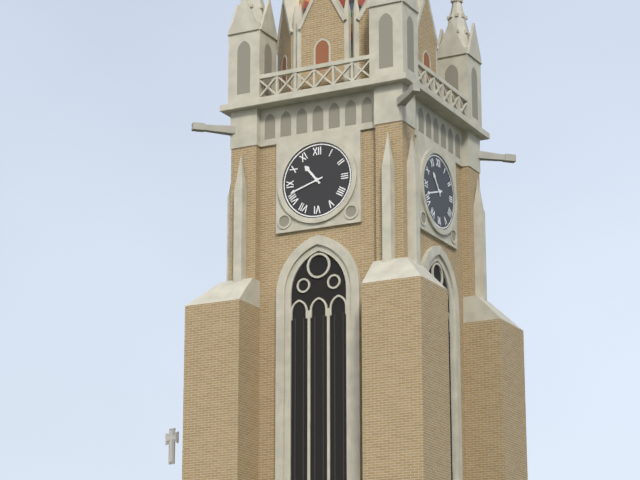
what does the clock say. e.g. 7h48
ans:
10h42
